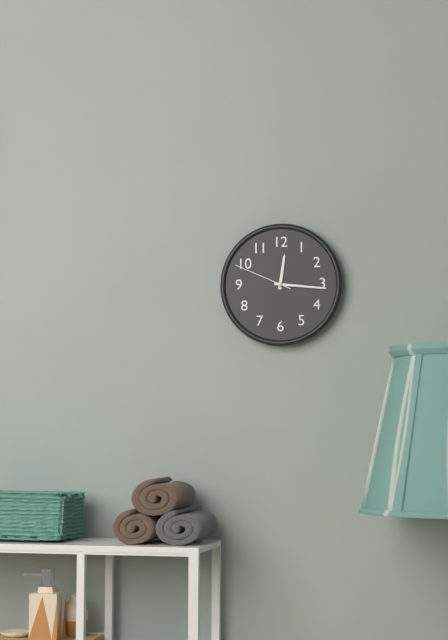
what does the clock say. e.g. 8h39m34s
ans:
12h16m49s
